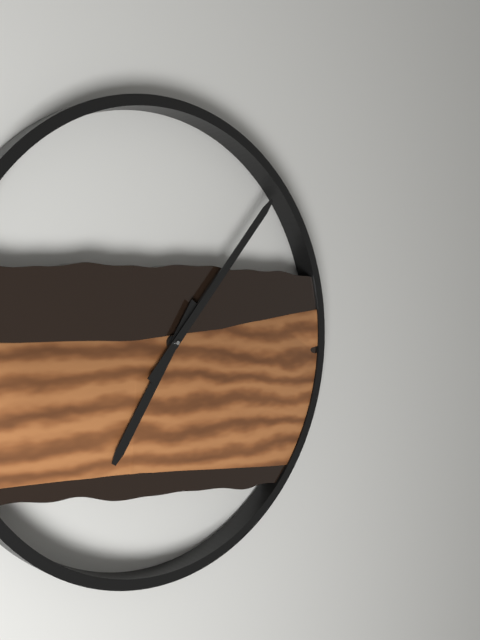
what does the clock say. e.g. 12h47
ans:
7h07
